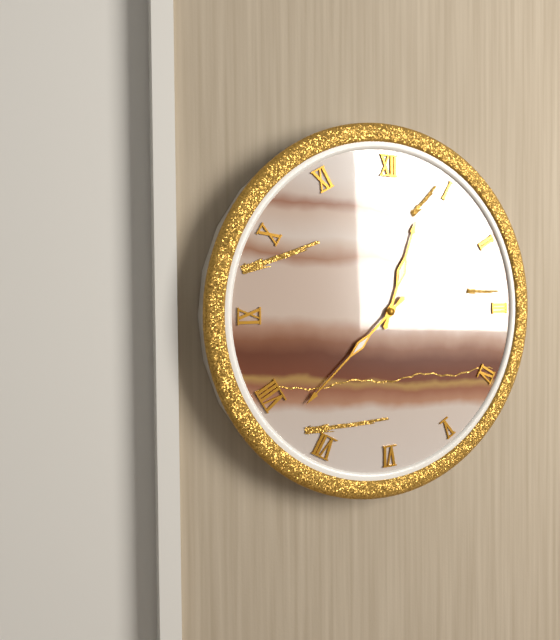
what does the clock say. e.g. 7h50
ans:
12h38
